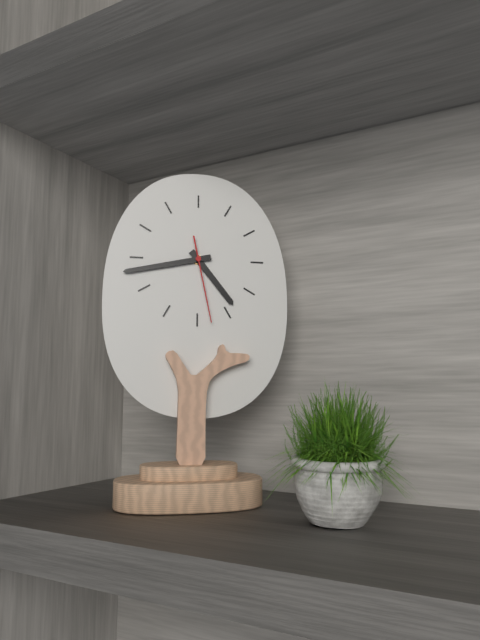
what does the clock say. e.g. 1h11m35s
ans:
4h43m28s
